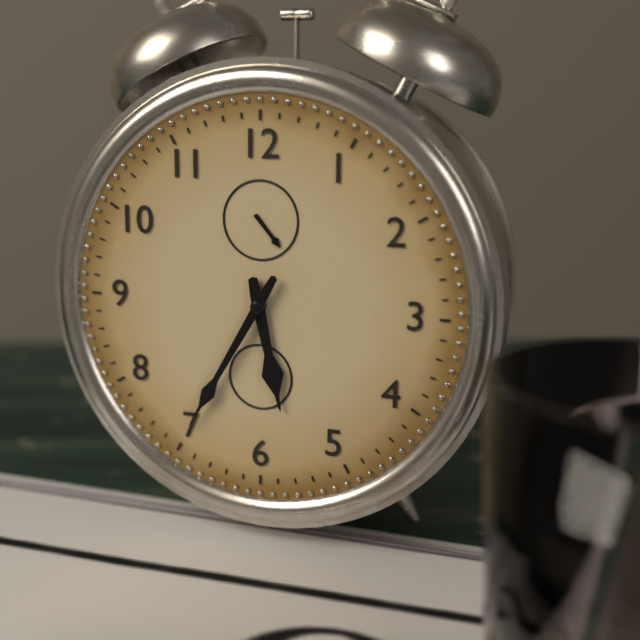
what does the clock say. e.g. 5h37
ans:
5h35
